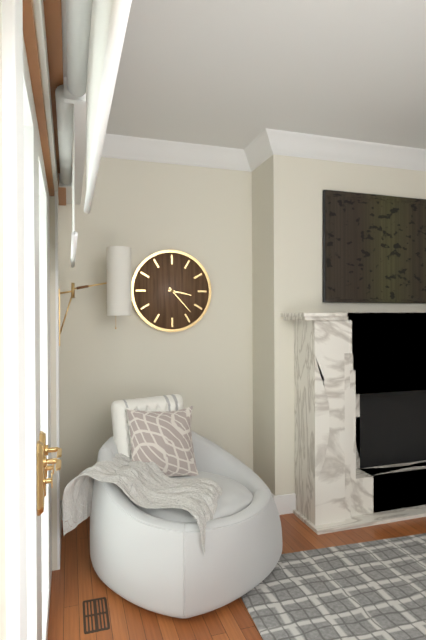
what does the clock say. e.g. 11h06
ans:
3h23
